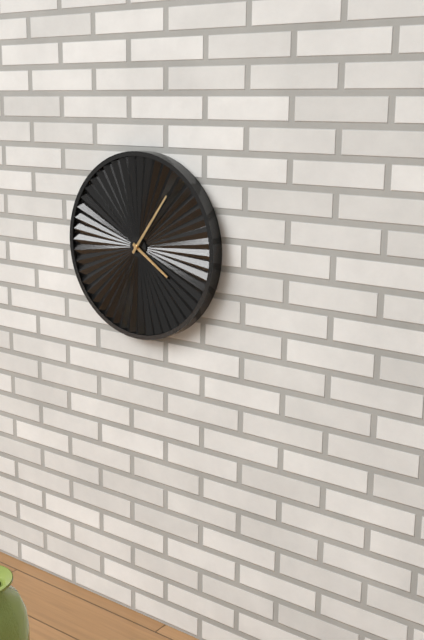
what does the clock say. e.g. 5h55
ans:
4h06
